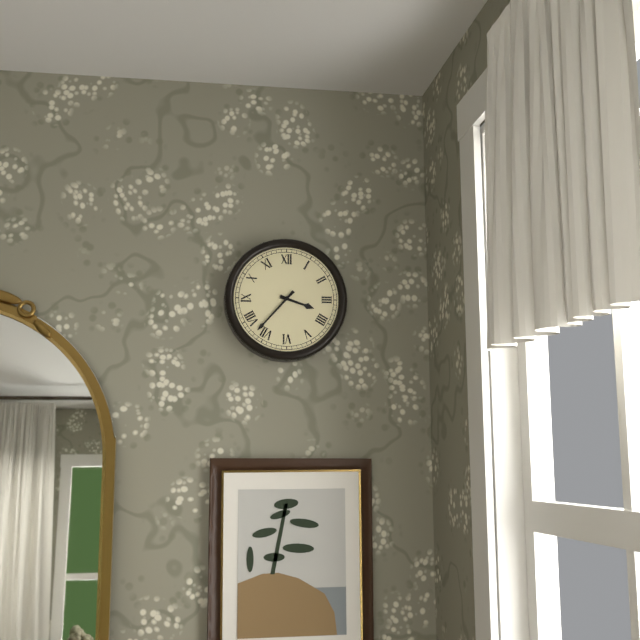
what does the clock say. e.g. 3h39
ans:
3h37
